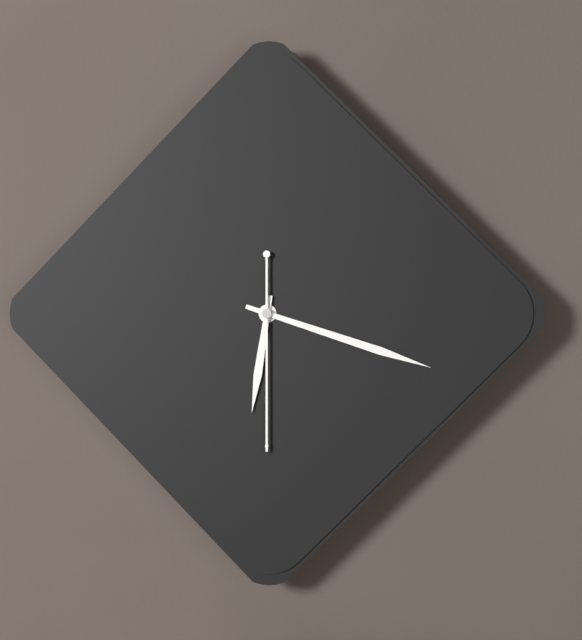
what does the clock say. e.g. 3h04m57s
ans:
6h18m30s
